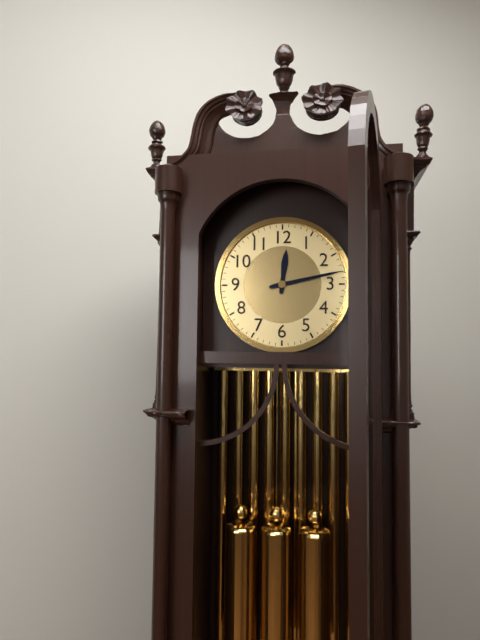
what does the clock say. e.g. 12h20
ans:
12h13
